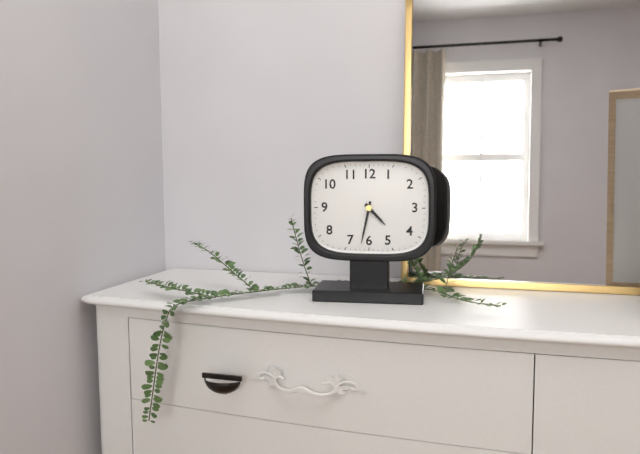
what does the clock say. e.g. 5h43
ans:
4h32
